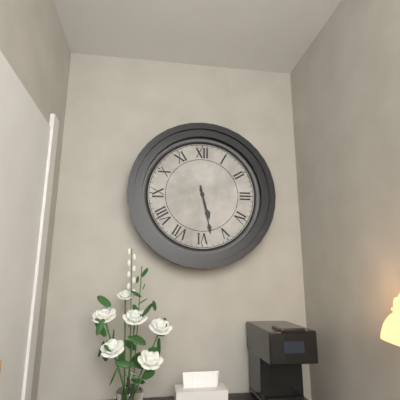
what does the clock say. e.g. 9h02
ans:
5h28
